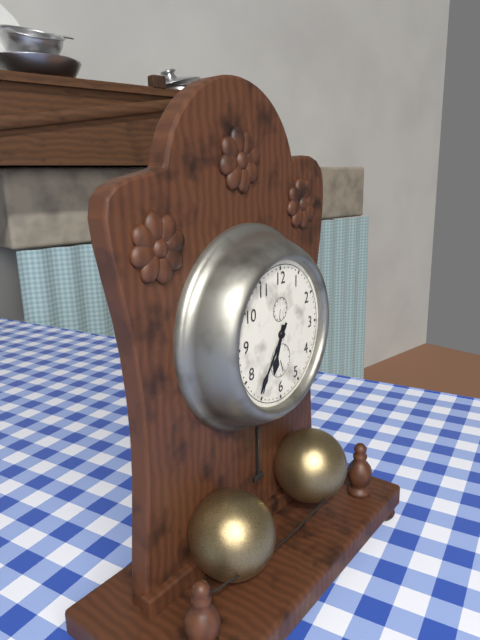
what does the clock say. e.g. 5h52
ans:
6h36
